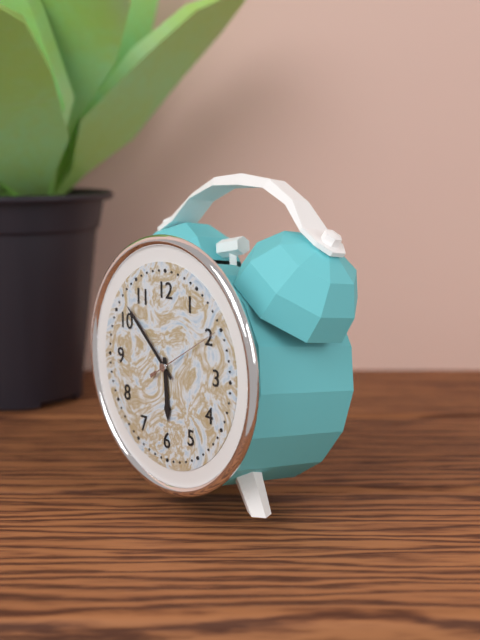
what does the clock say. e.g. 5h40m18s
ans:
5h52m10s
